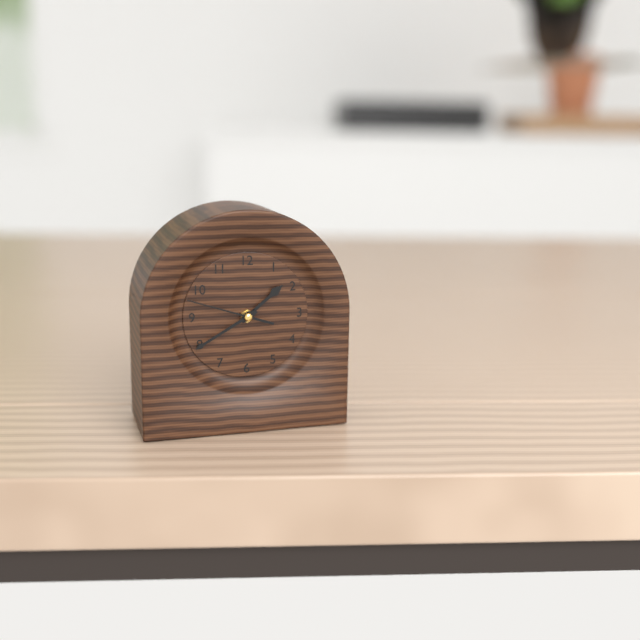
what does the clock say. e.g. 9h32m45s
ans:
1h40m48s
